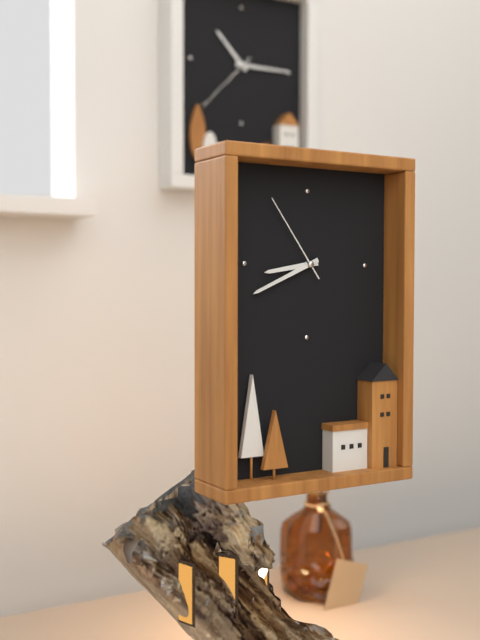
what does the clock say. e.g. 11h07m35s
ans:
8h41m54s
